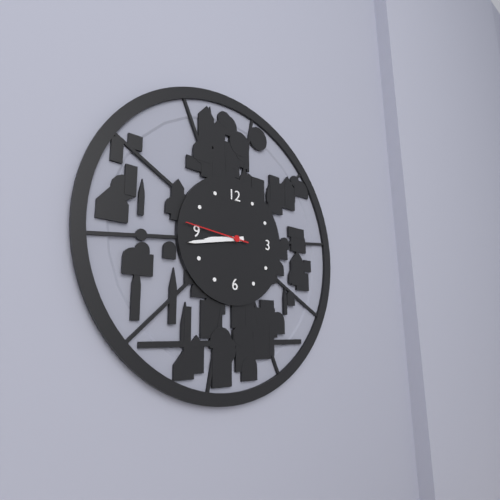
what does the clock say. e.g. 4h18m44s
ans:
8h43m46s
